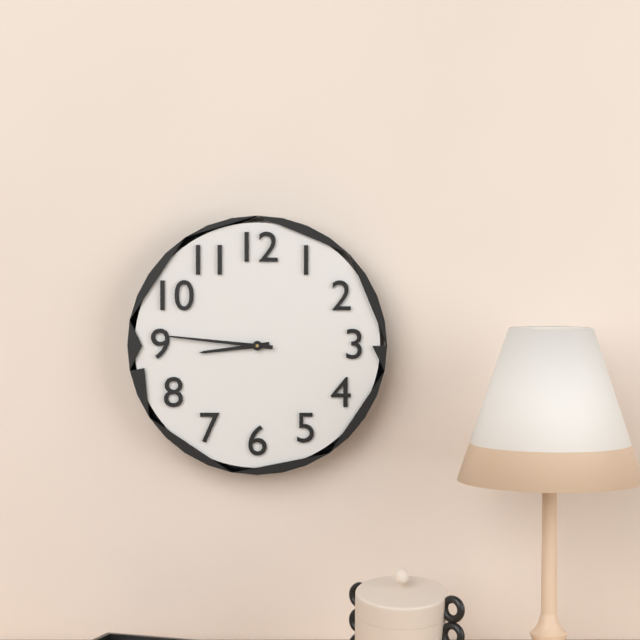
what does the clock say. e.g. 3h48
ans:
8h46
